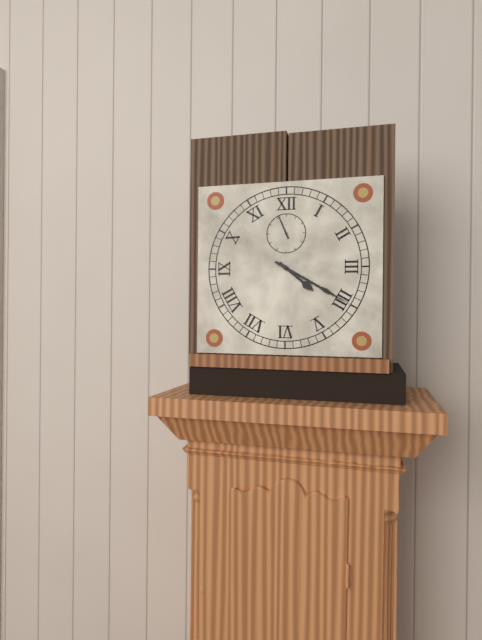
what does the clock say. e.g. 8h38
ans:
4h20
